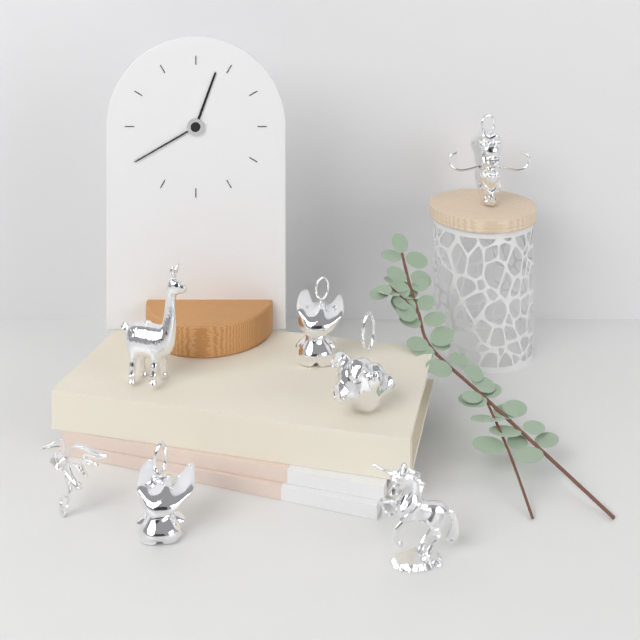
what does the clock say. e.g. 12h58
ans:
12h40
